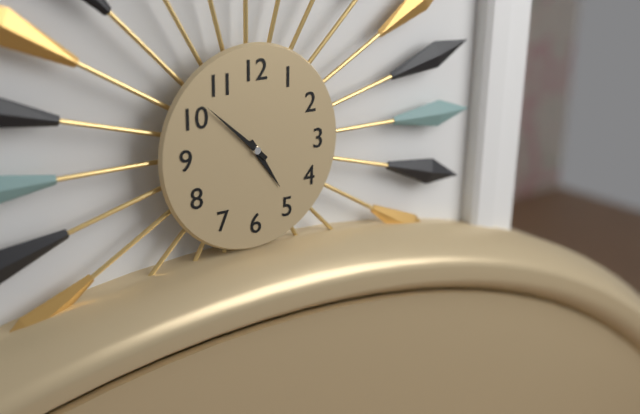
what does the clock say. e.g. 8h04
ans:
4h52
